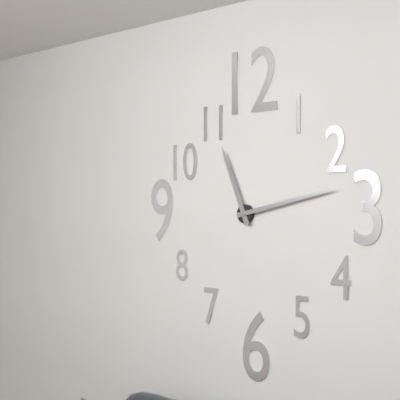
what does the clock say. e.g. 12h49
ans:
11h13
